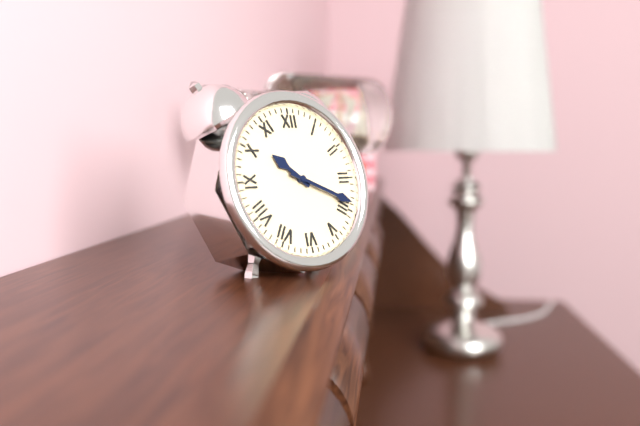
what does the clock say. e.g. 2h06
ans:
10h19
